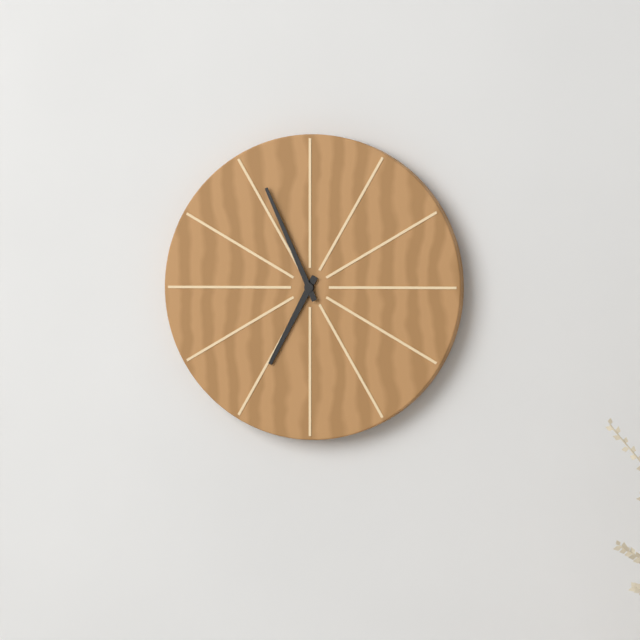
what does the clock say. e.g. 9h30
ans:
6h56
